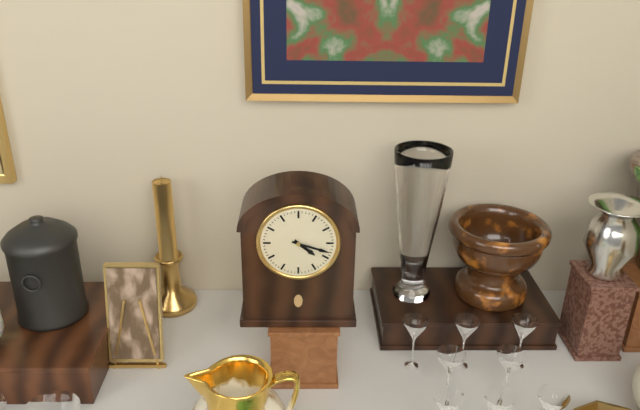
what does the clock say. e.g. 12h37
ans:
4h18
